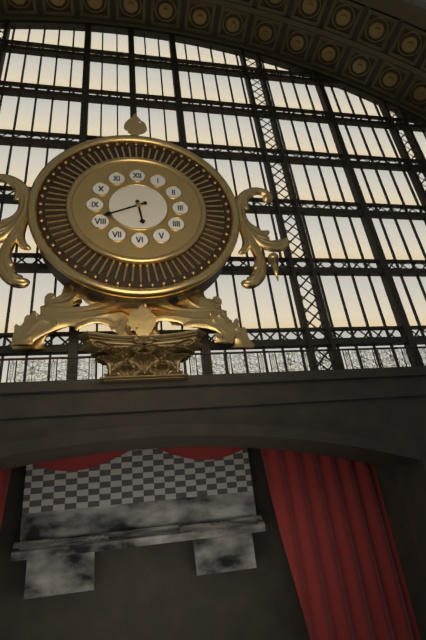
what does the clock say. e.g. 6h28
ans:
5h41
